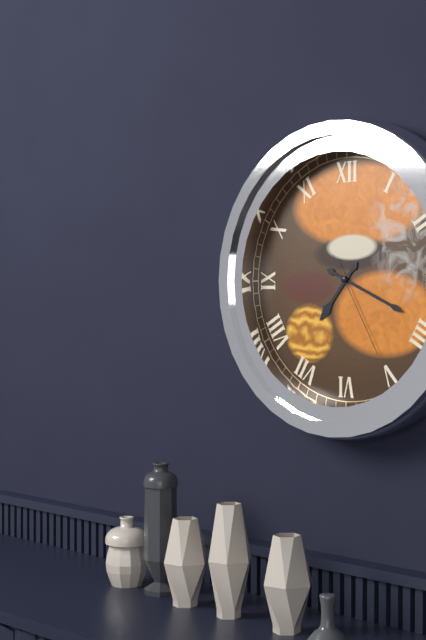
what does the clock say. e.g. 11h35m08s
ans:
7h19m25s
